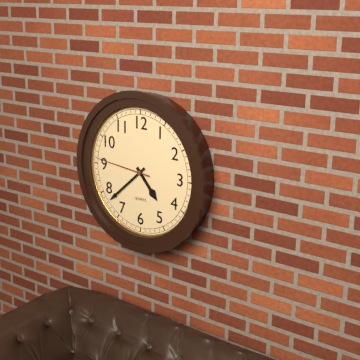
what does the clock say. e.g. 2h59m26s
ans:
4h38m46s
